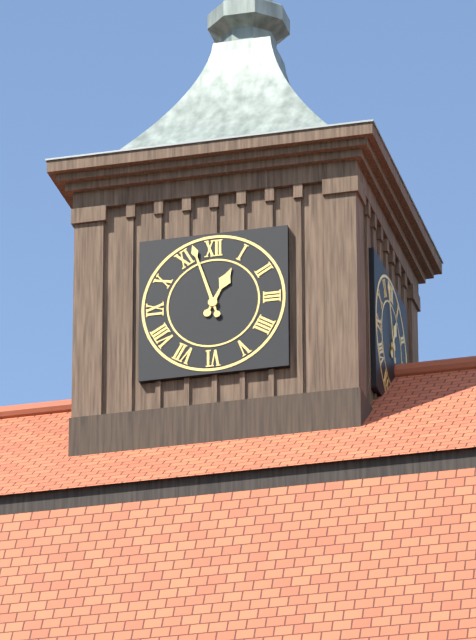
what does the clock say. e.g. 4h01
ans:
12h57
